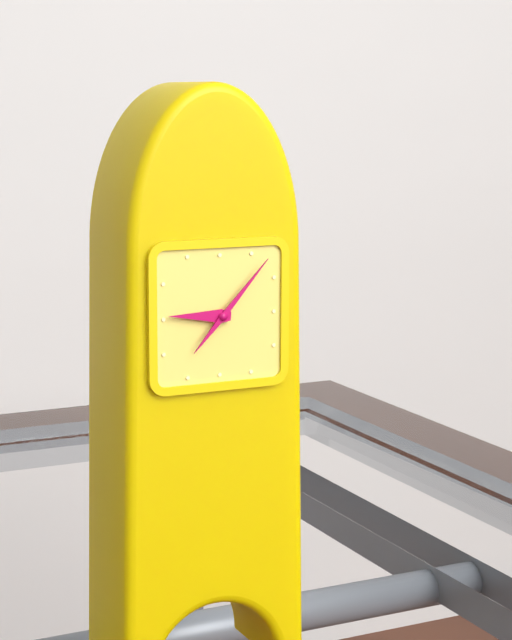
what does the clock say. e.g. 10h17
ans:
9h07
